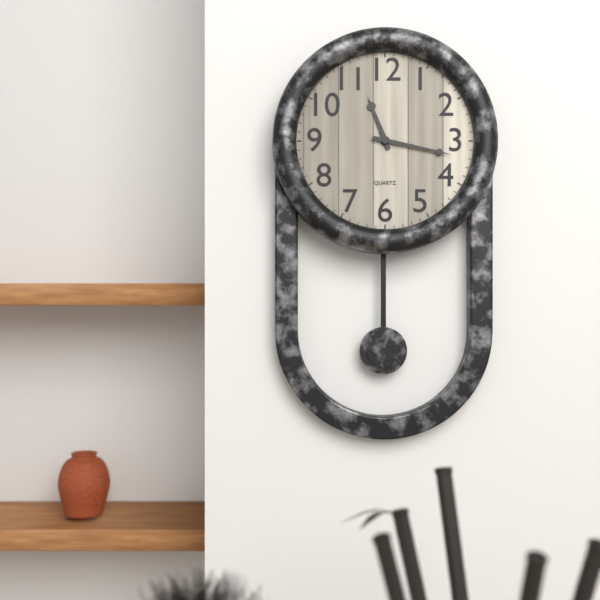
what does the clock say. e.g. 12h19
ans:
11h17
